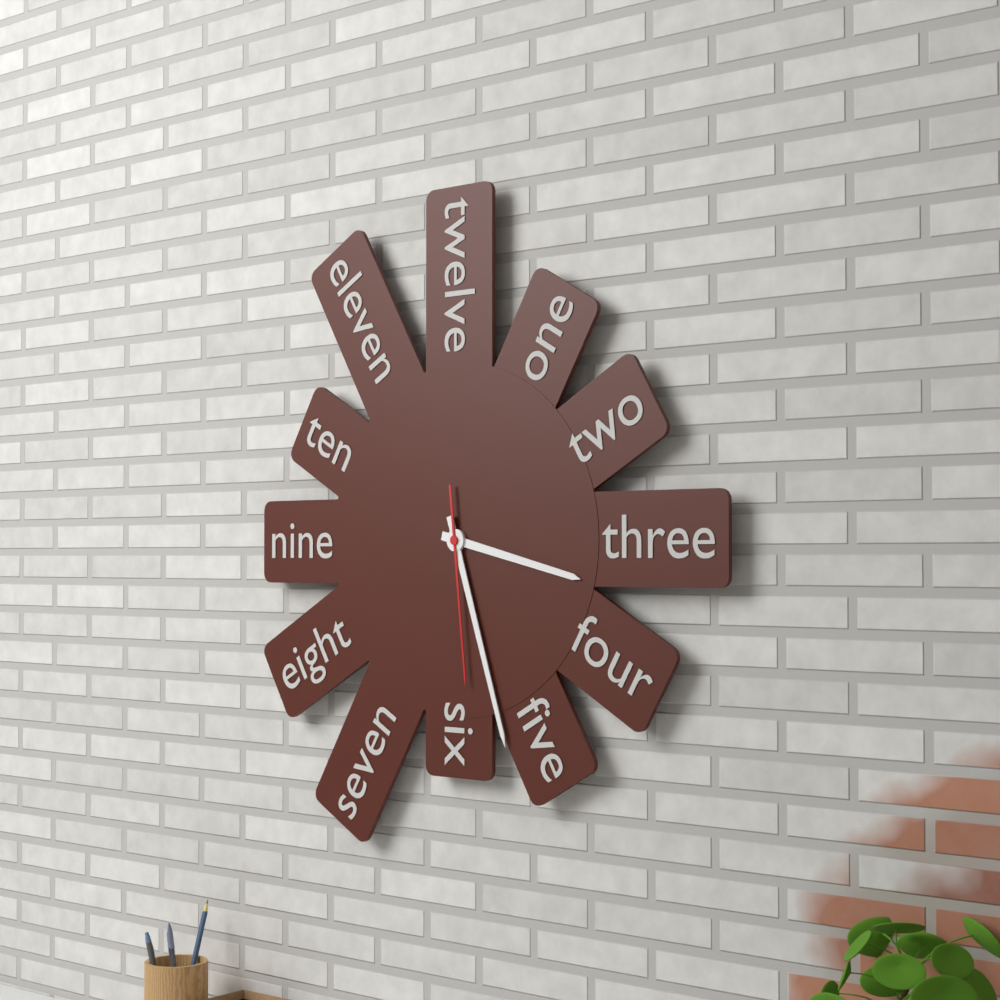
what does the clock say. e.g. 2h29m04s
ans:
3h27m29s
